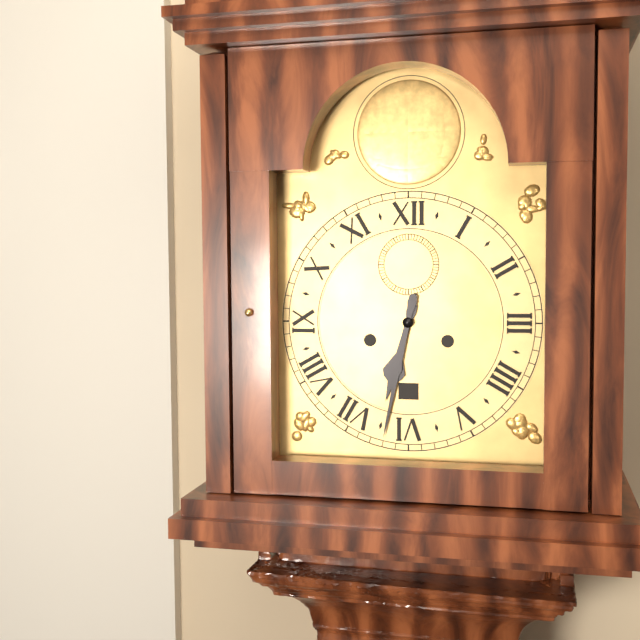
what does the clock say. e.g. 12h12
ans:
6h32
